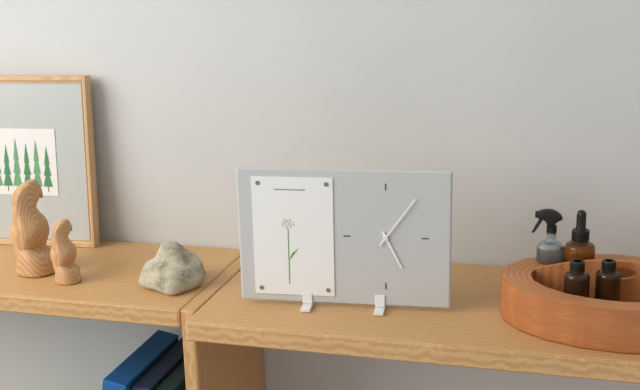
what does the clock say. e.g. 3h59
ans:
5h06
